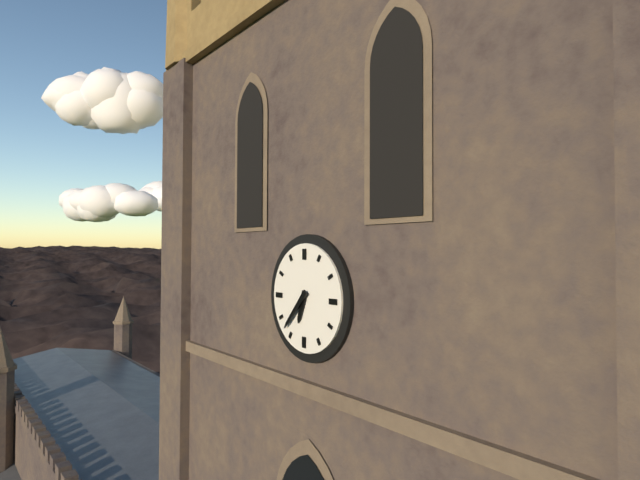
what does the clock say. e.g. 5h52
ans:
6h37
